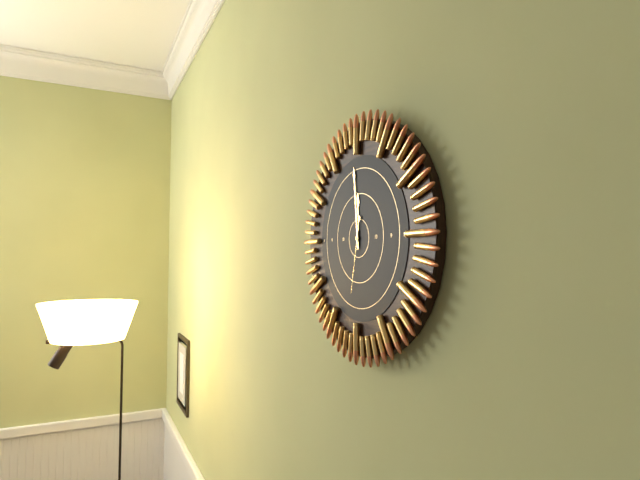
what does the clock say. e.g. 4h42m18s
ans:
11h59m32s
